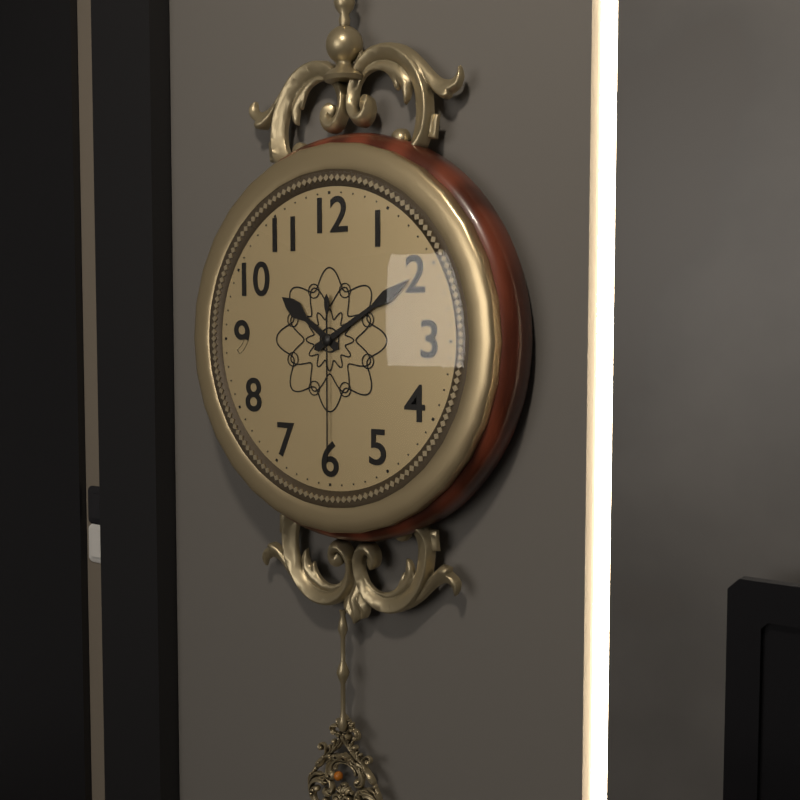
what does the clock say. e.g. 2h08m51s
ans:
10h10m30s
